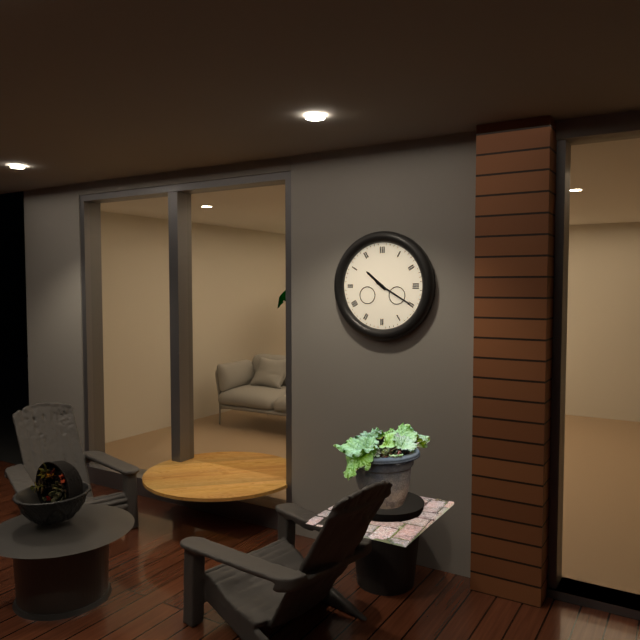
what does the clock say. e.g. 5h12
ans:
10h20
